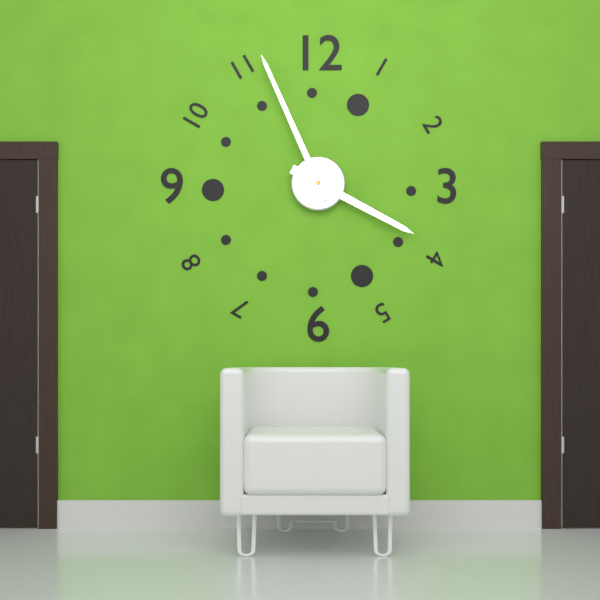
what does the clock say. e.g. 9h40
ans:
3h56
